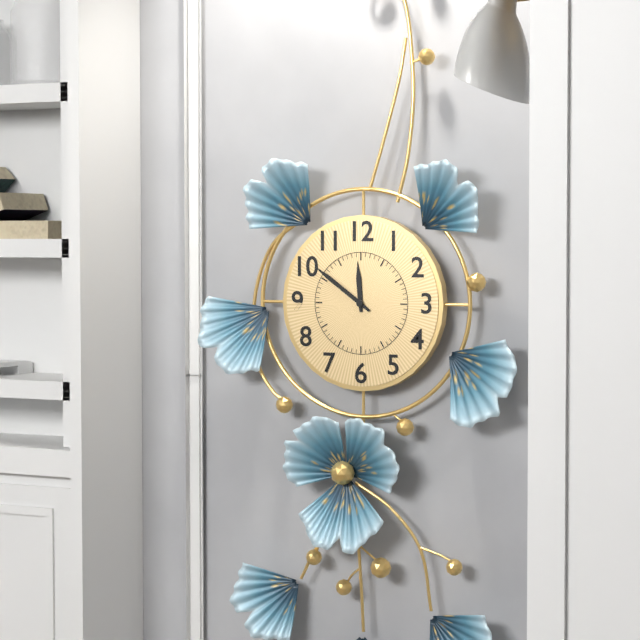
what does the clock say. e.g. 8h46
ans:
11h51
